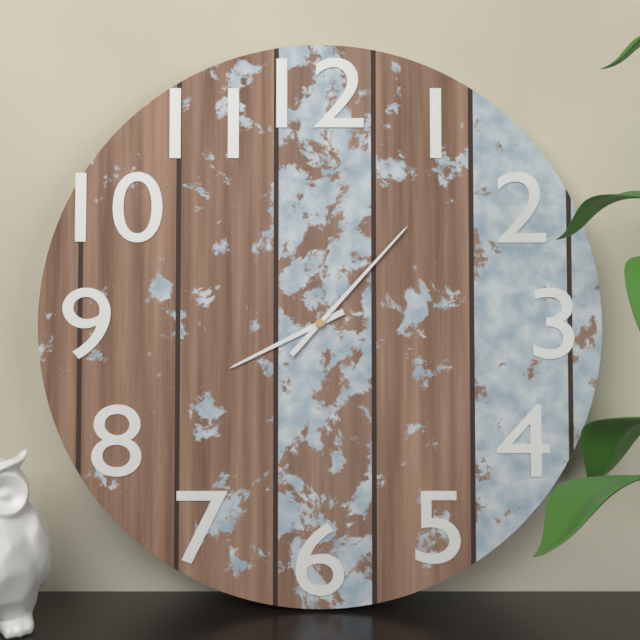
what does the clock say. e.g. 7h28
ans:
8h07
